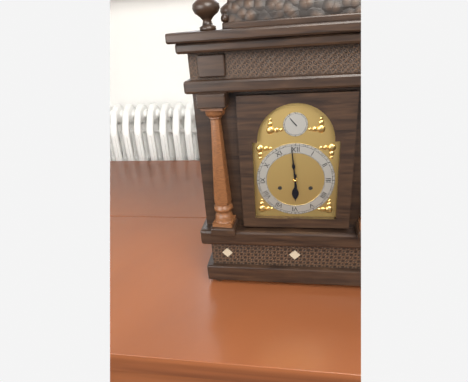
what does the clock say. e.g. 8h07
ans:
5h59
